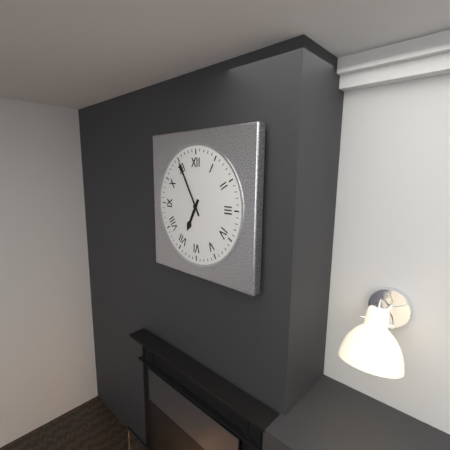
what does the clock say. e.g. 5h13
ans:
6h55
